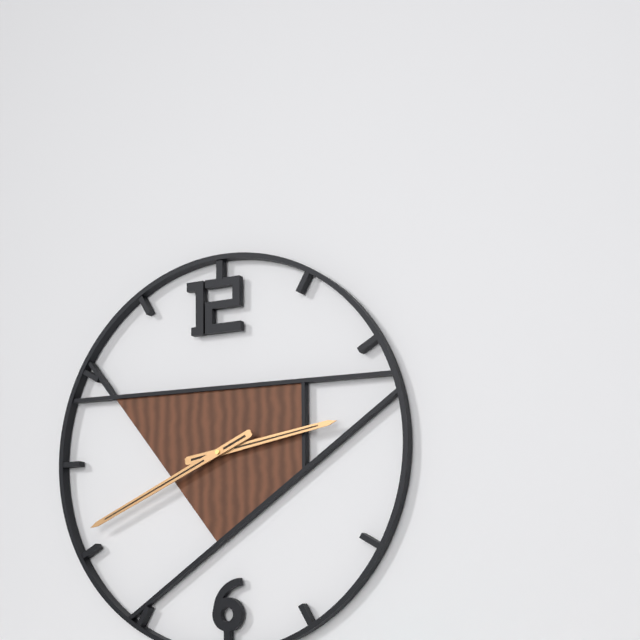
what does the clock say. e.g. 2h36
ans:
2h41
